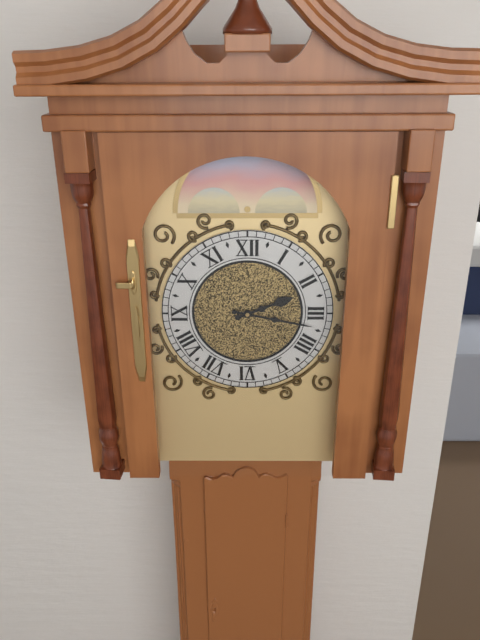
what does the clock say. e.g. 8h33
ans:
2h17
